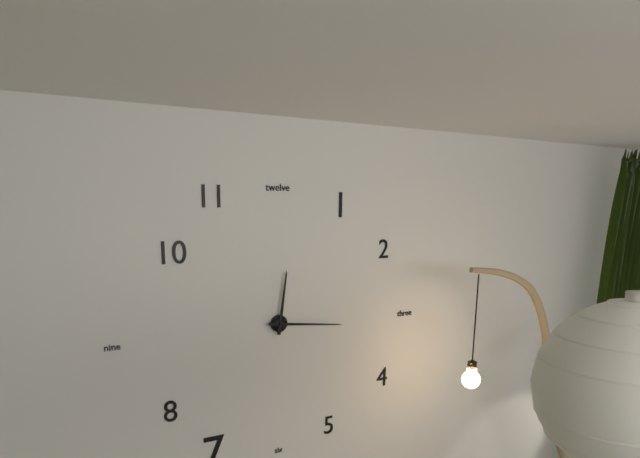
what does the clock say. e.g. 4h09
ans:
12h16
